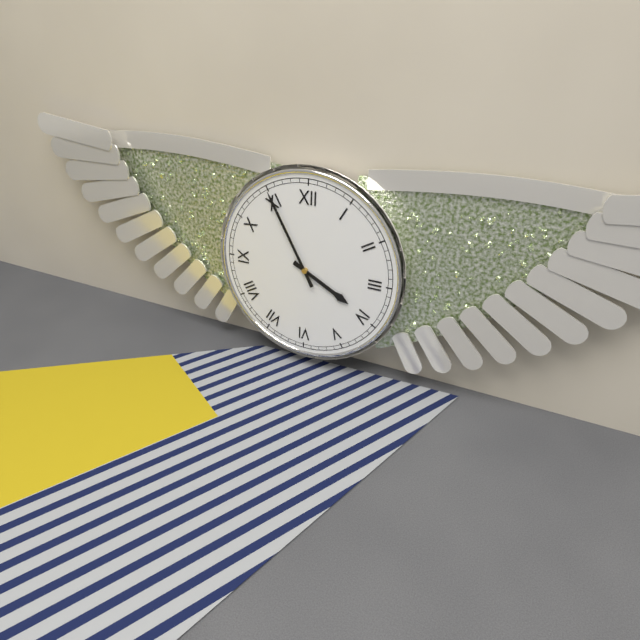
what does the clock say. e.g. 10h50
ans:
3h55
